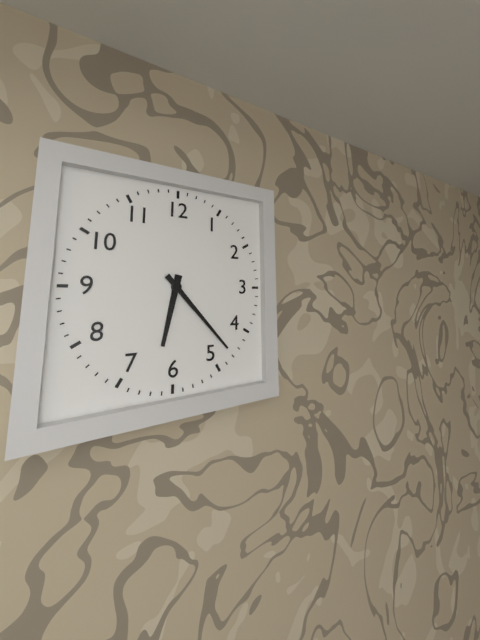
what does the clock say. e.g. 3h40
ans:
6h23
